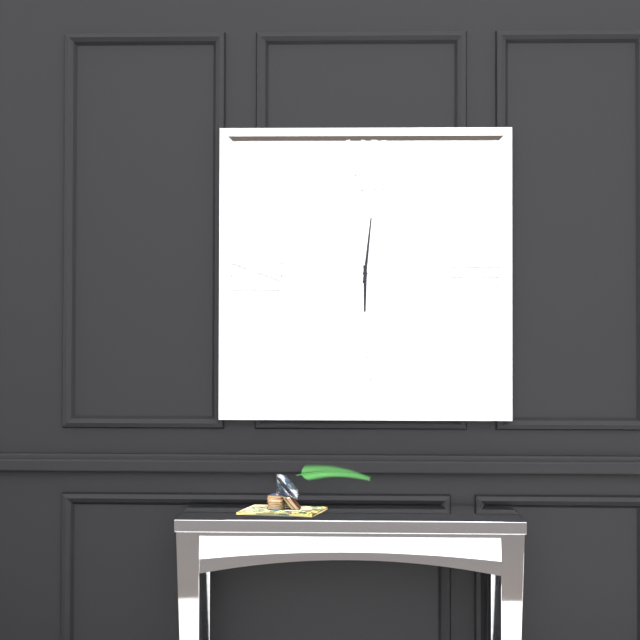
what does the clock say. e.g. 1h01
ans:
6h01
